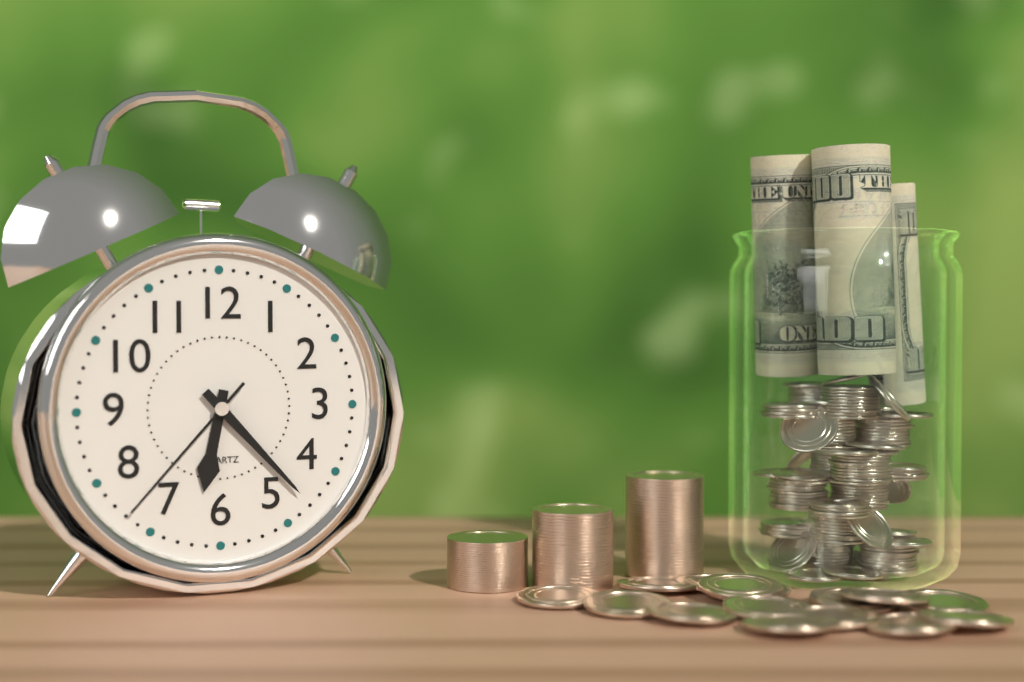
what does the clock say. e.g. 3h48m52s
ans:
6h23m37s
